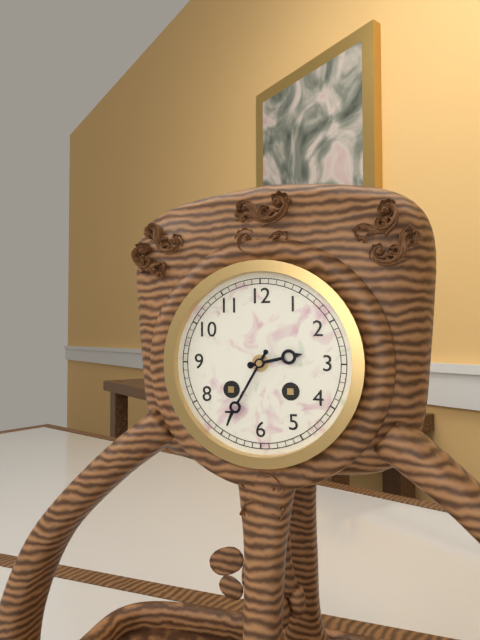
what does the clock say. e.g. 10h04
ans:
2h35
